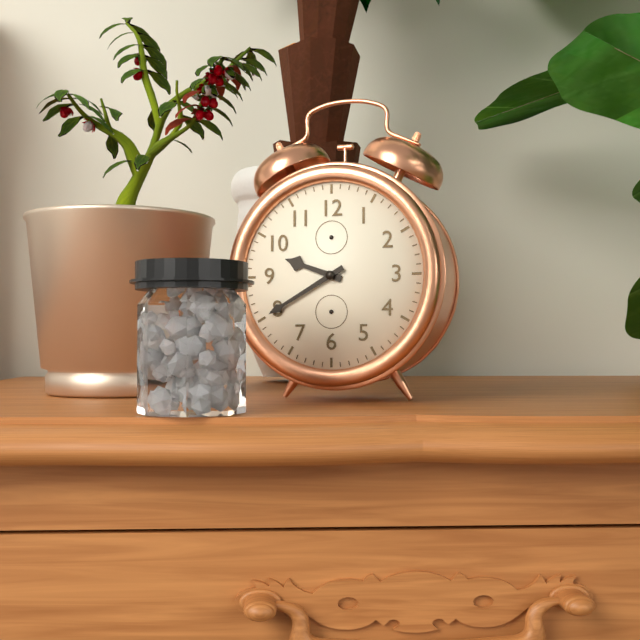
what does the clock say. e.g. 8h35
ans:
9h40
